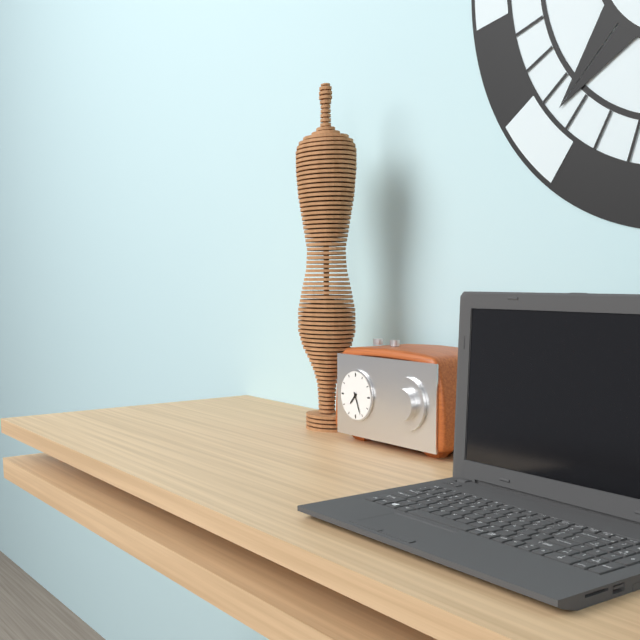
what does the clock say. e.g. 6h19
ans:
7h26
